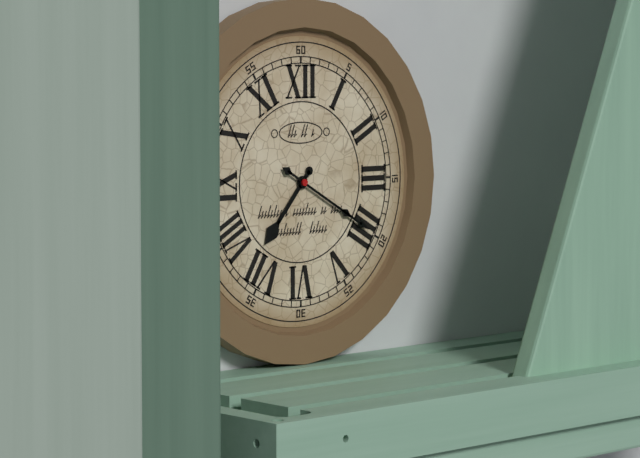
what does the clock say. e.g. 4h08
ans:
7h20
